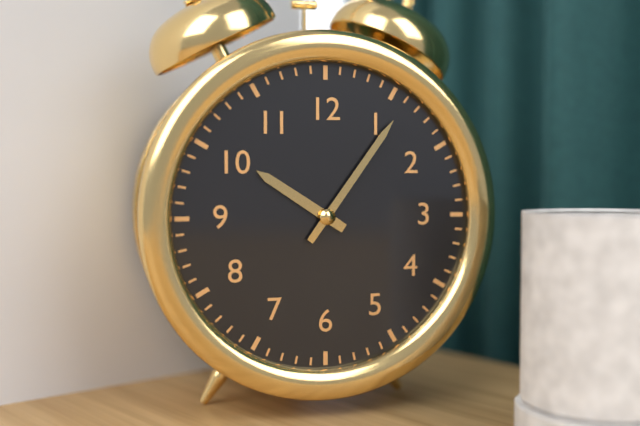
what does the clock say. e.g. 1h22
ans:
10h06
